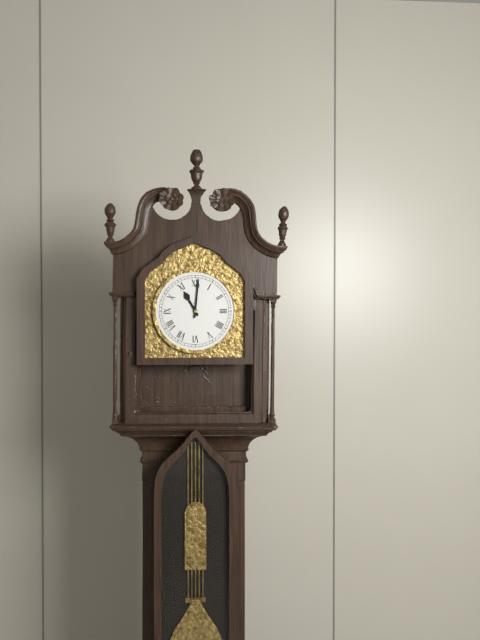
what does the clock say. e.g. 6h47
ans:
11h01
